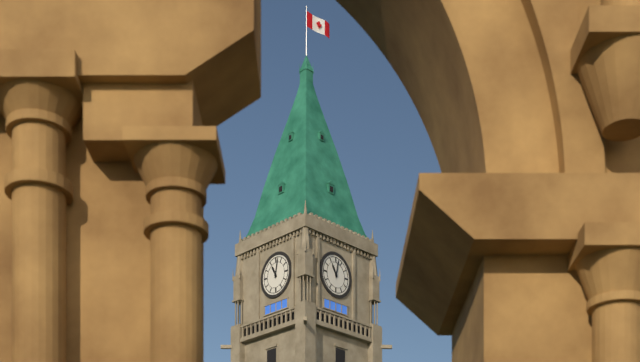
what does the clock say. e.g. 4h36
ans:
11h02
